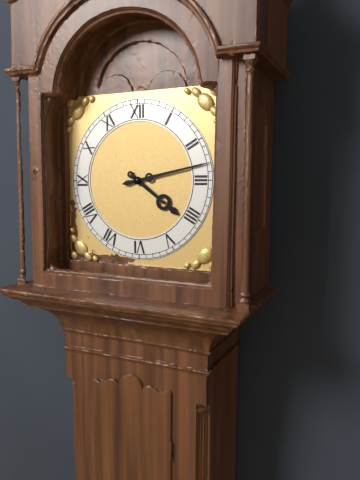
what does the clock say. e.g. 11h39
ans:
4h13
